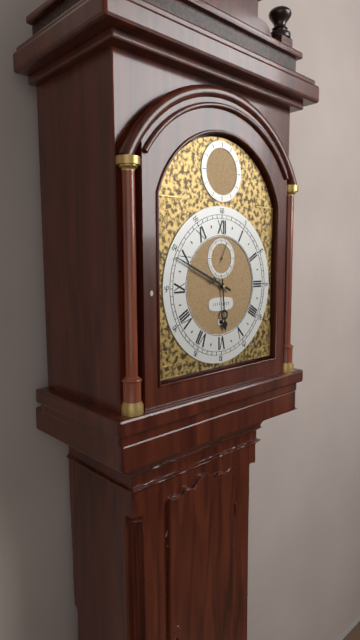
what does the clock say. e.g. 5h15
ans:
5h49
